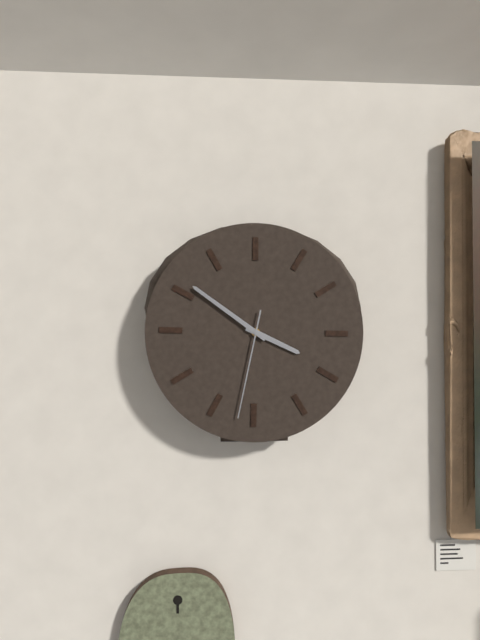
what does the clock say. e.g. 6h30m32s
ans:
3h51m32s
